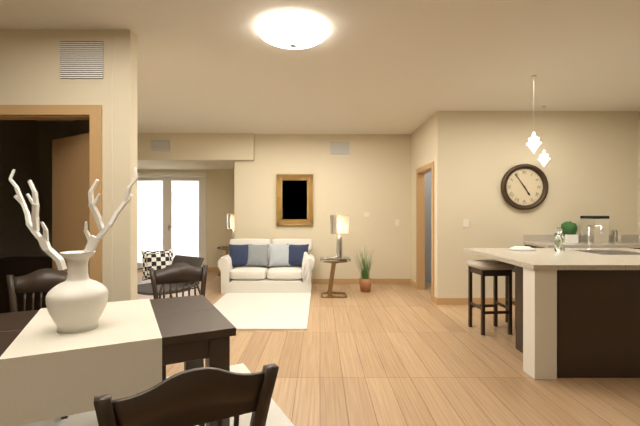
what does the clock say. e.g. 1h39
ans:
4h54
